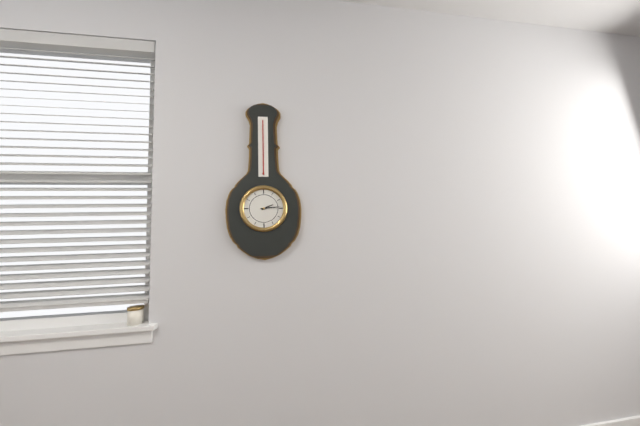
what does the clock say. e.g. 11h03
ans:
2h14
